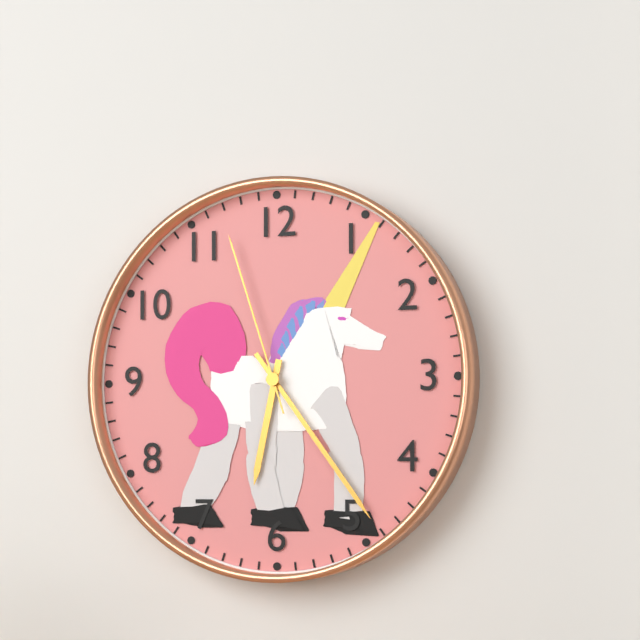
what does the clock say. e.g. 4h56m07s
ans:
6h24m57s
